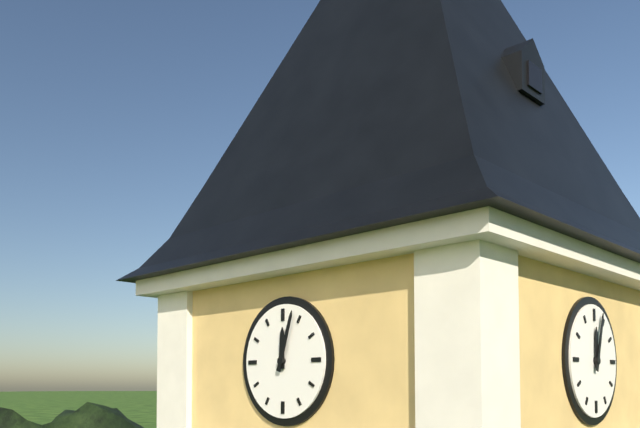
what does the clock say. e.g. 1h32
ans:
12h03
